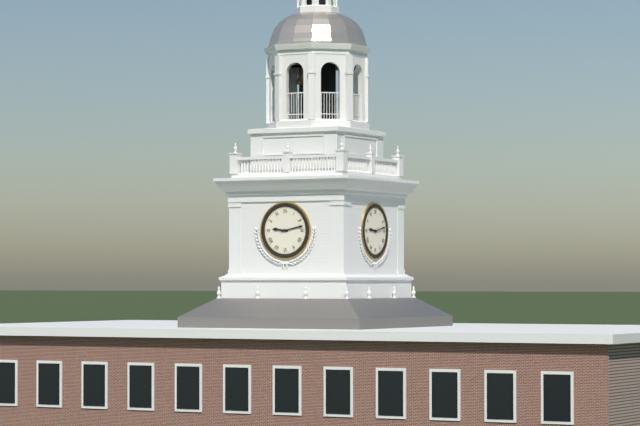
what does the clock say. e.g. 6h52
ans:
9h13
